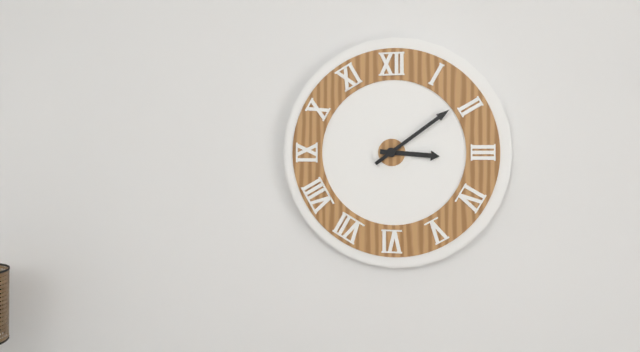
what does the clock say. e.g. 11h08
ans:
3h09
